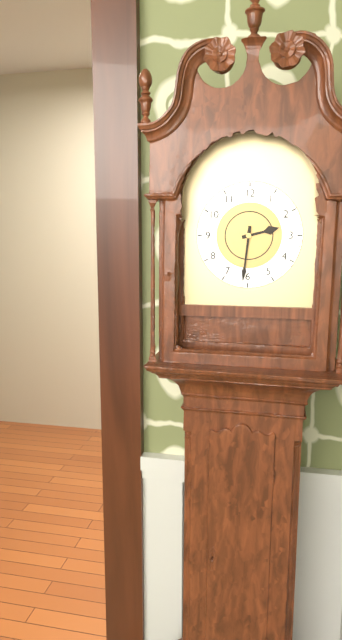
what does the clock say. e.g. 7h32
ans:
2h31
